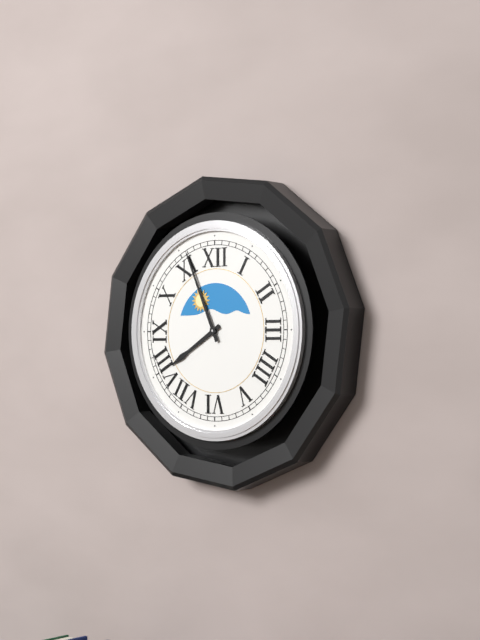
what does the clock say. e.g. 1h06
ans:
7h56
